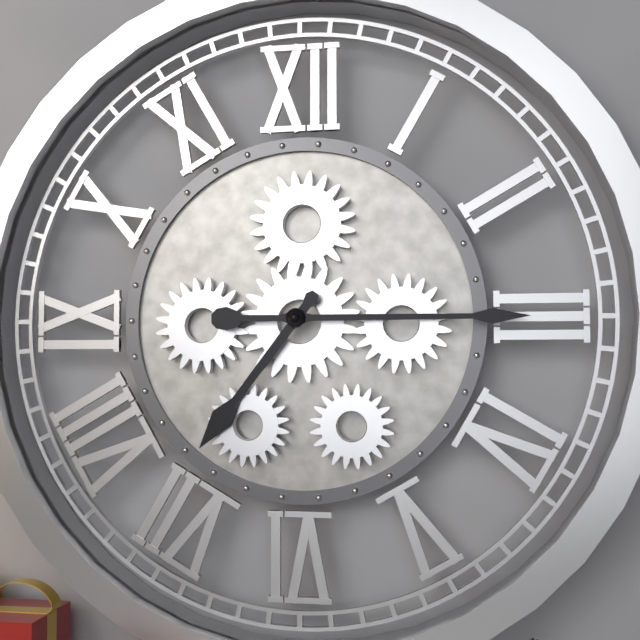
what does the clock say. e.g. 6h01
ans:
7h15
